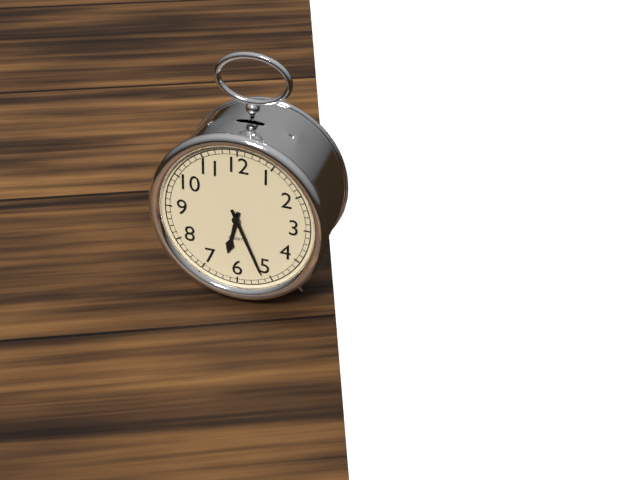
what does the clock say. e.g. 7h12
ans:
6h26
